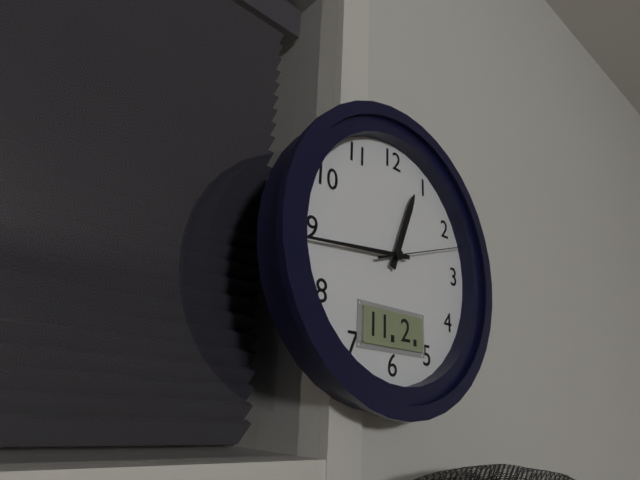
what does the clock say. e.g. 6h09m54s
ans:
12h44m12s
